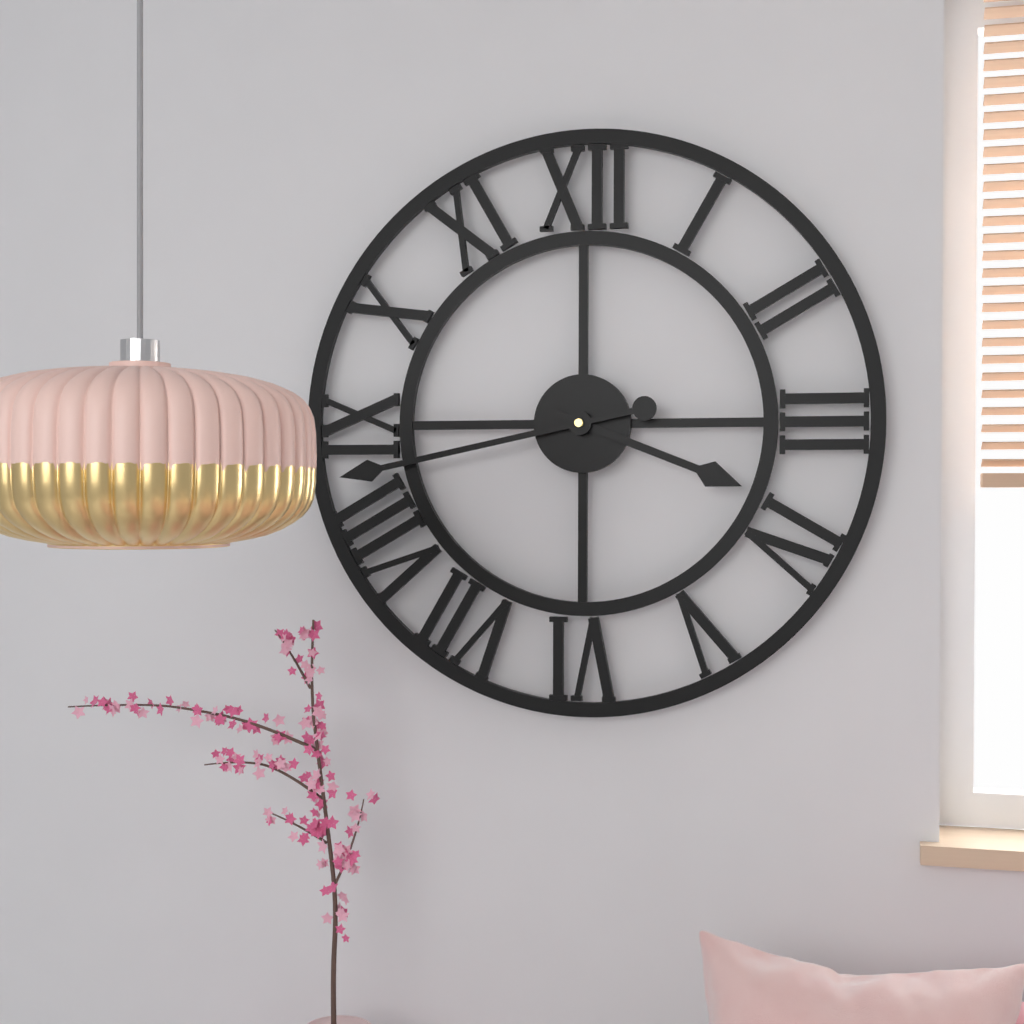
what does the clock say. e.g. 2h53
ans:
3h43
